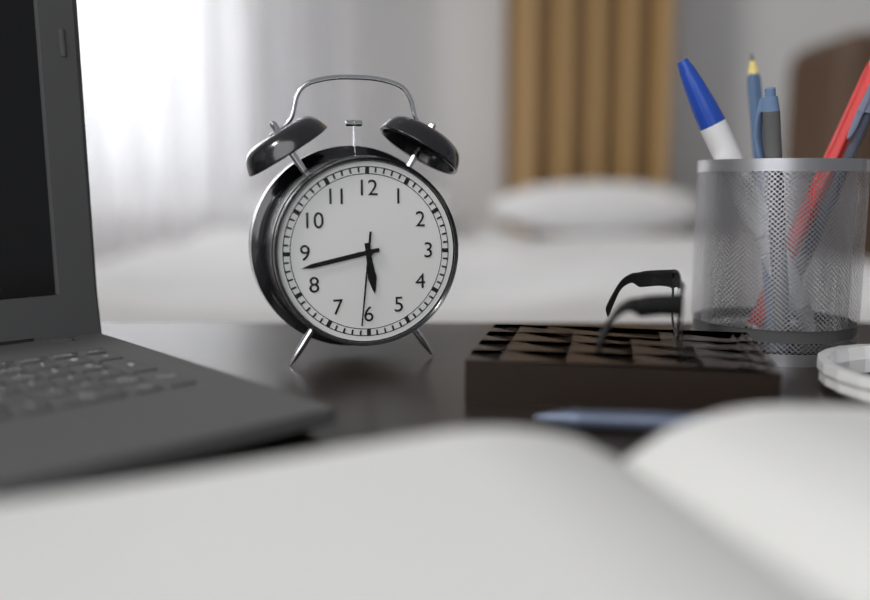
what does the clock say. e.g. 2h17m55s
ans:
5h43m31s
